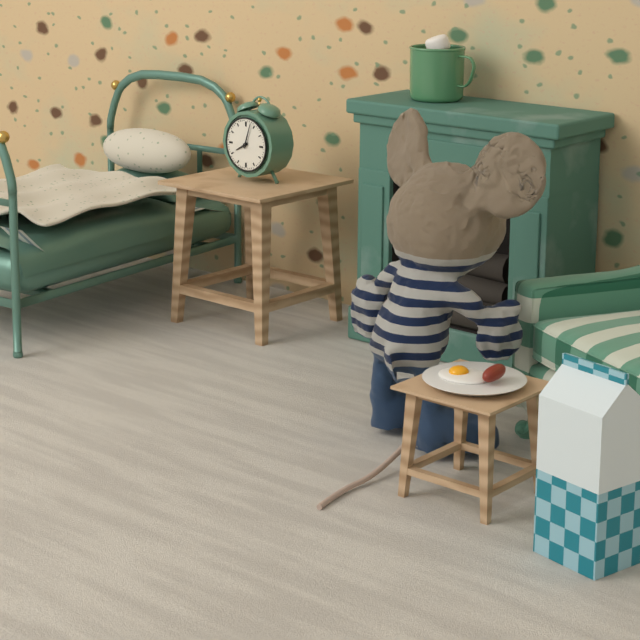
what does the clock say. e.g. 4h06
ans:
8h03
